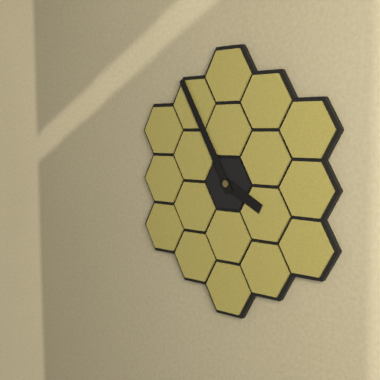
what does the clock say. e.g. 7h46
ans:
3h55
